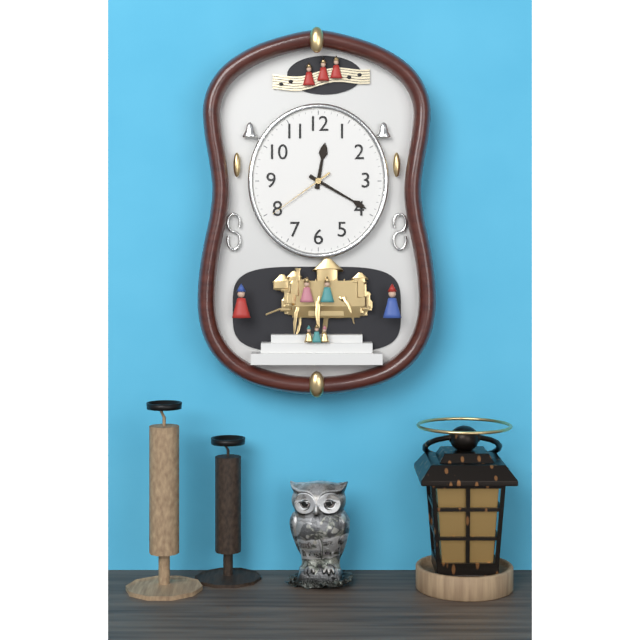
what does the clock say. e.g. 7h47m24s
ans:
12h20m39s
